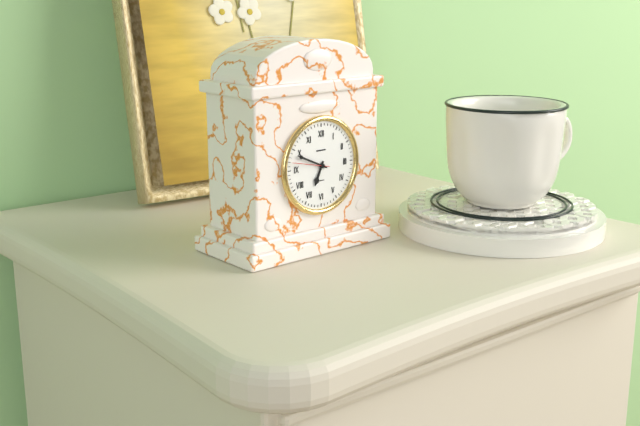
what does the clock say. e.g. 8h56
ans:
6h49
